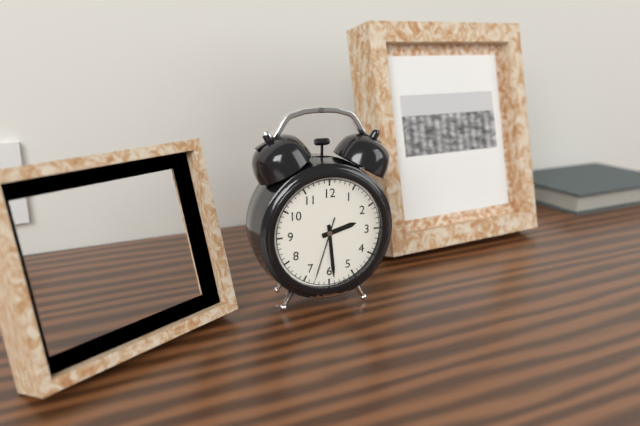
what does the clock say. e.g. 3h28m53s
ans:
2h29m33s
